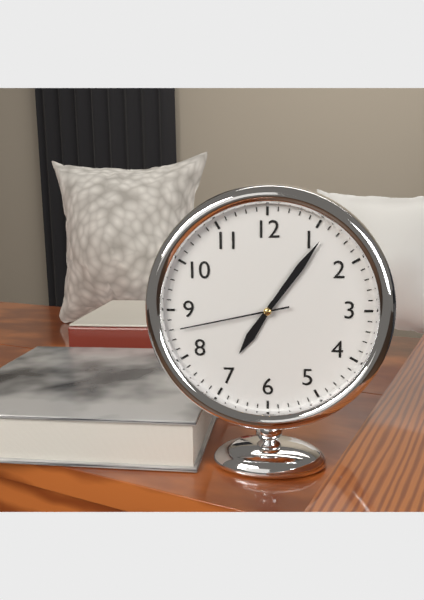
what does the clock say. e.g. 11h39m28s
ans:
7h06m43s
